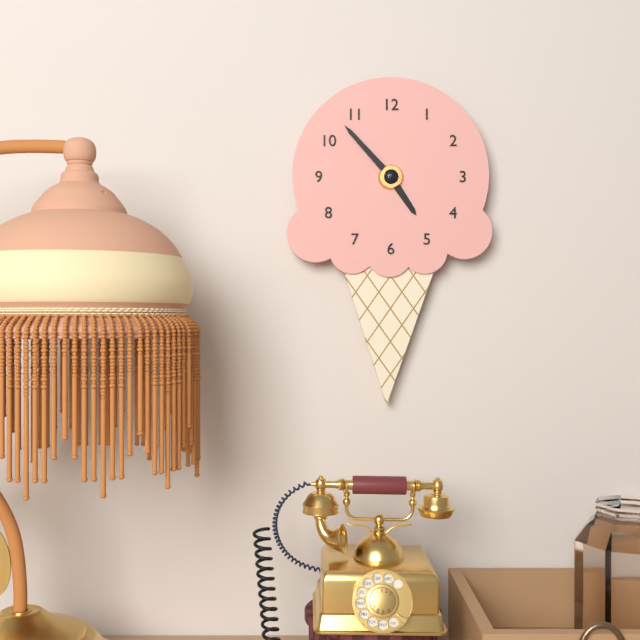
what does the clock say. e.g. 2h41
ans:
4h53
